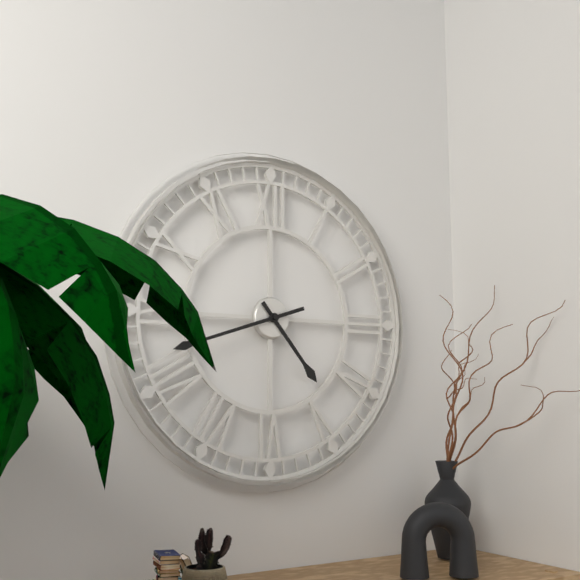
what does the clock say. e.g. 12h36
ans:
4h42
